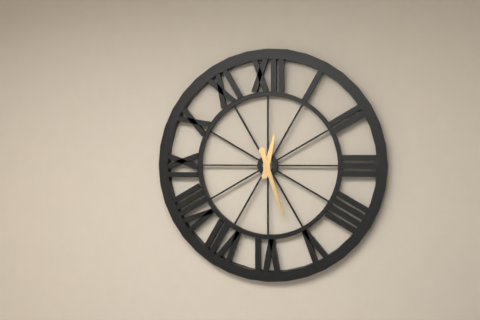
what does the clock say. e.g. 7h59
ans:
12h27
